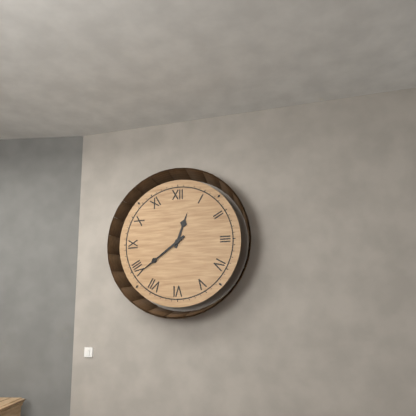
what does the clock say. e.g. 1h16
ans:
12h39
